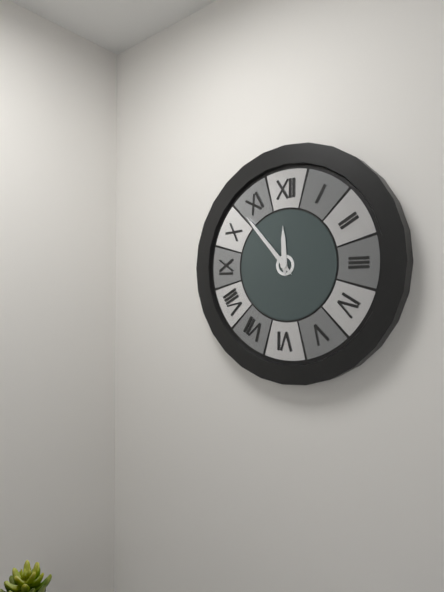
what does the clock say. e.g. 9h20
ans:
11h53
